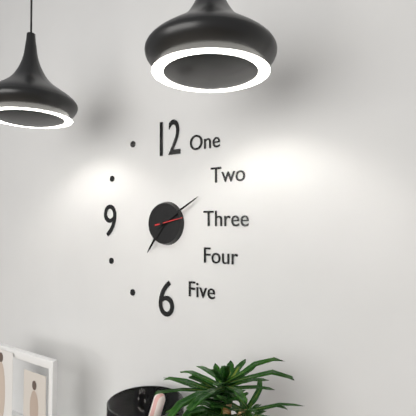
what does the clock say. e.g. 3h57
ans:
7h10
